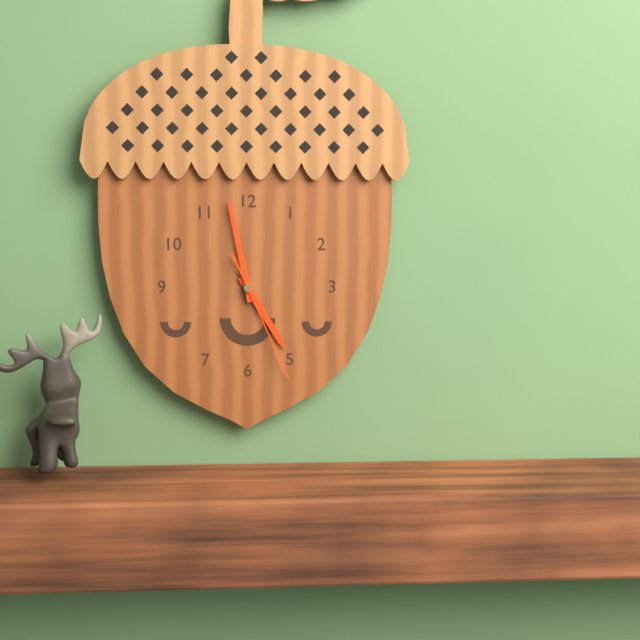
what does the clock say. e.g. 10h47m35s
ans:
4h58m26s
